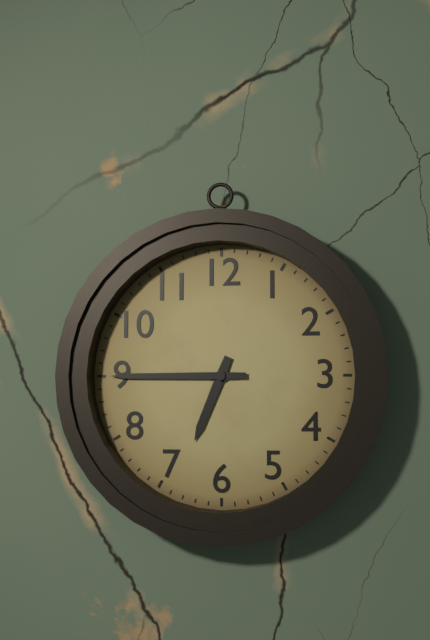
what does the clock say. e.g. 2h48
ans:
6h45
